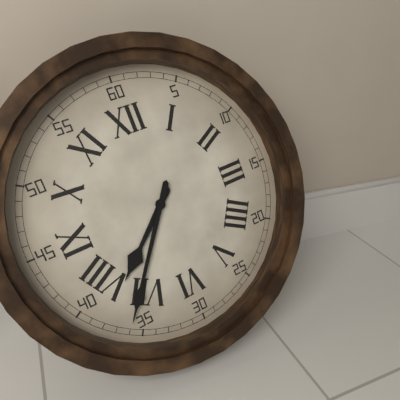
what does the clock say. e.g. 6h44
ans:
7h36
